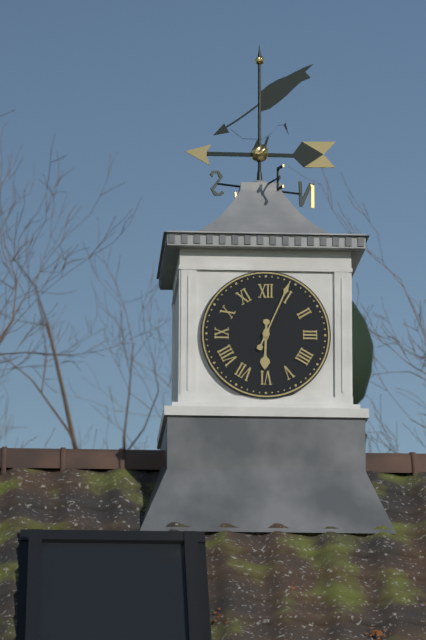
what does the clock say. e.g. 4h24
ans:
6h04
